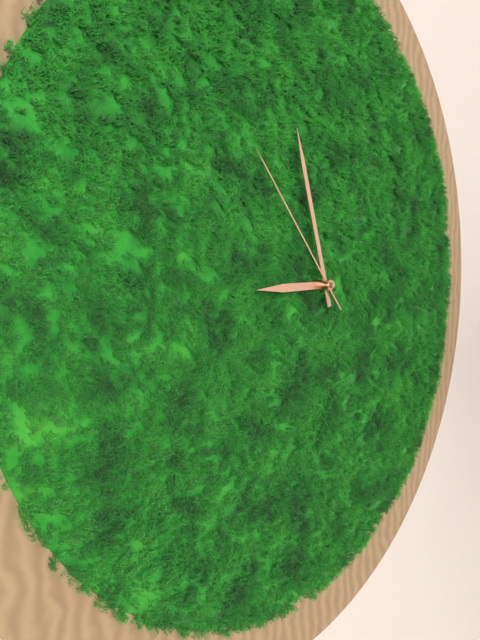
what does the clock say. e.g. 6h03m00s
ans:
8h57m53s
